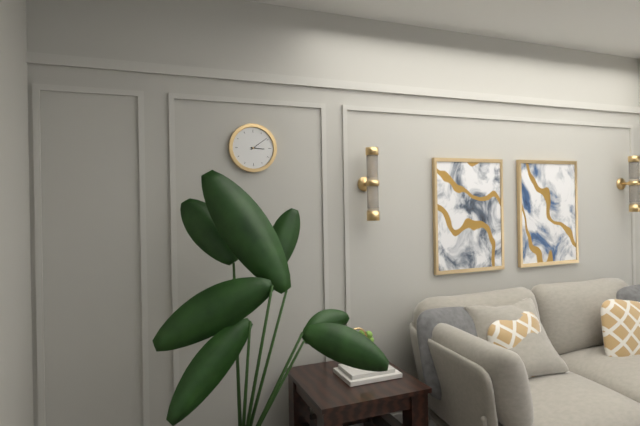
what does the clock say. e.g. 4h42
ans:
3h09
